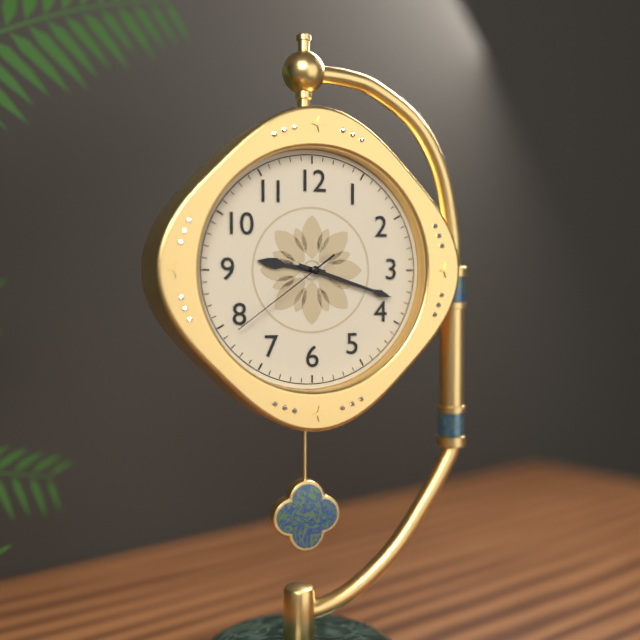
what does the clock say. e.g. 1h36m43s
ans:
9h18m39s
